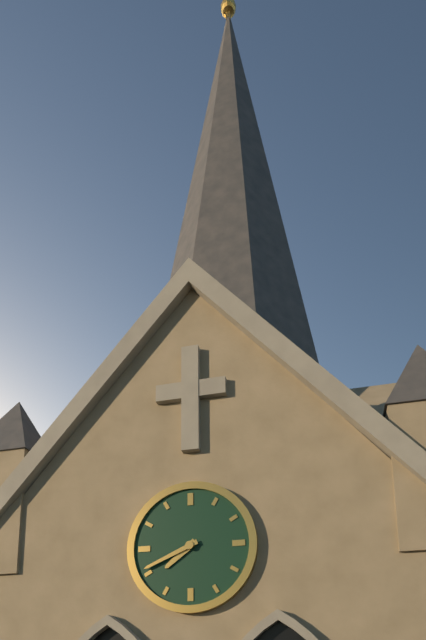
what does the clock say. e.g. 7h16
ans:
7h41
